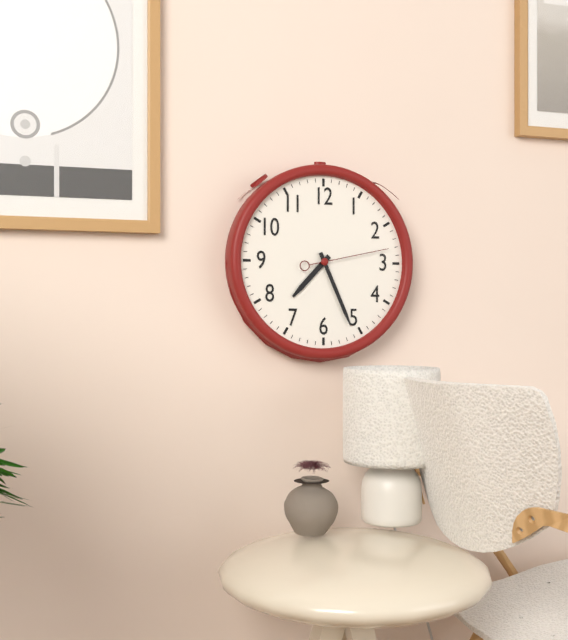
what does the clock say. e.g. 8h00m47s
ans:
7h26m13s
